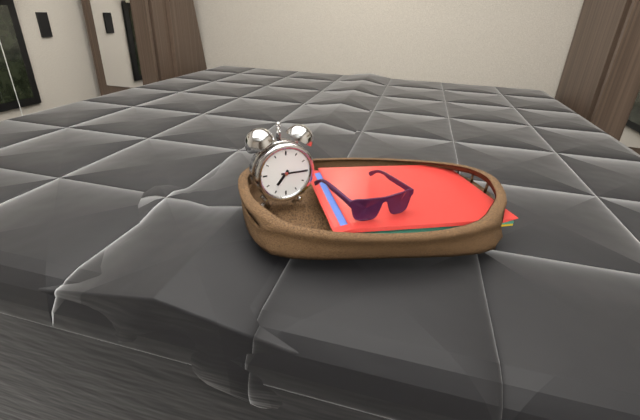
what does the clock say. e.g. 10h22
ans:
7h15
